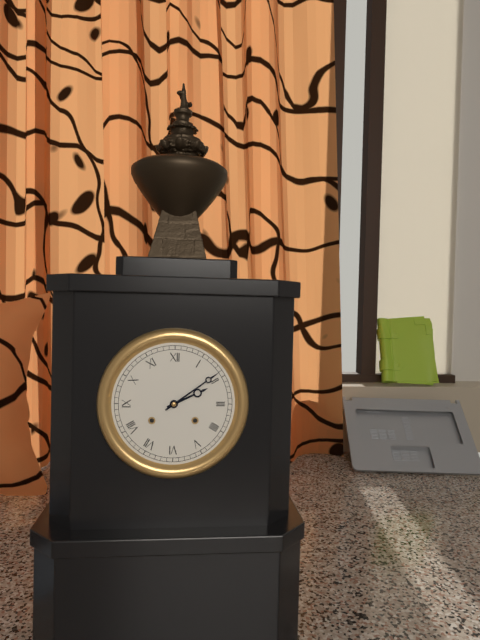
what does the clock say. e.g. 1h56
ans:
2h09
